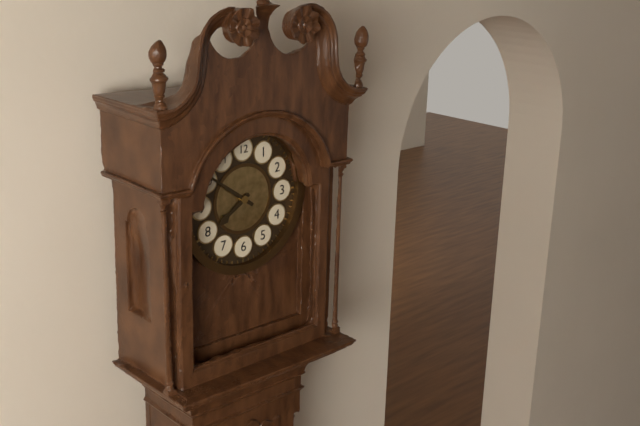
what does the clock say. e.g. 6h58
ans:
7h51
